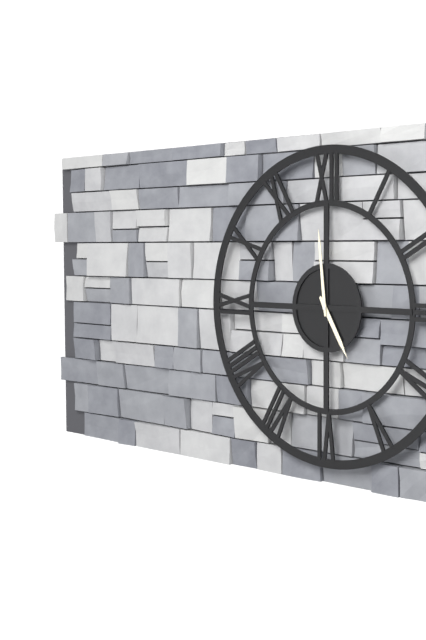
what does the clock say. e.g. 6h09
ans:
4h59
